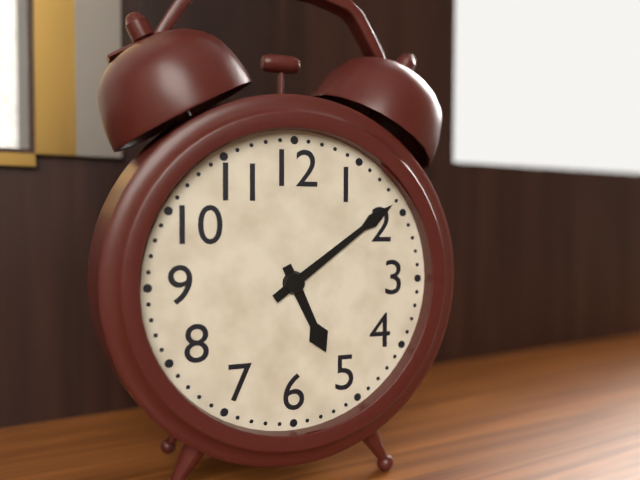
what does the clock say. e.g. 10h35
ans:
5h09
